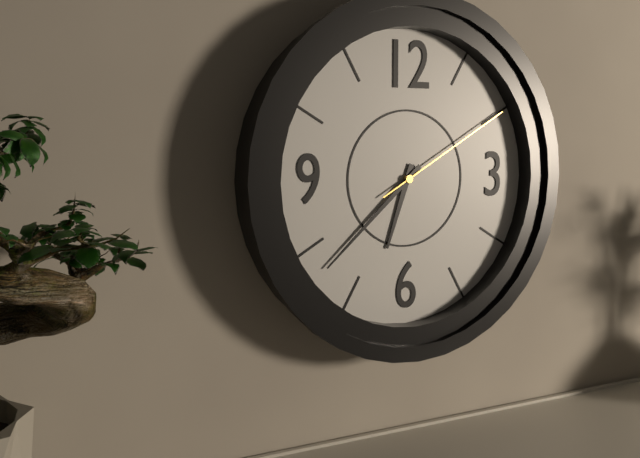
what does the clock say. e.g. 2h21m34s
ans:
6h38m10s
